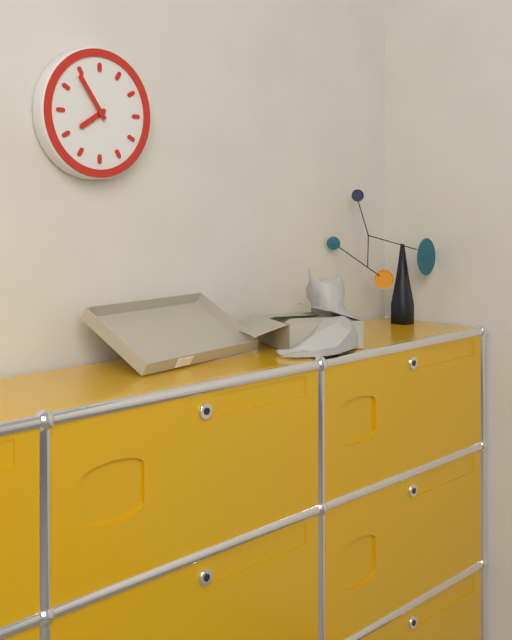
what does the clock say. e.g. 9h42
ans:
7h54
